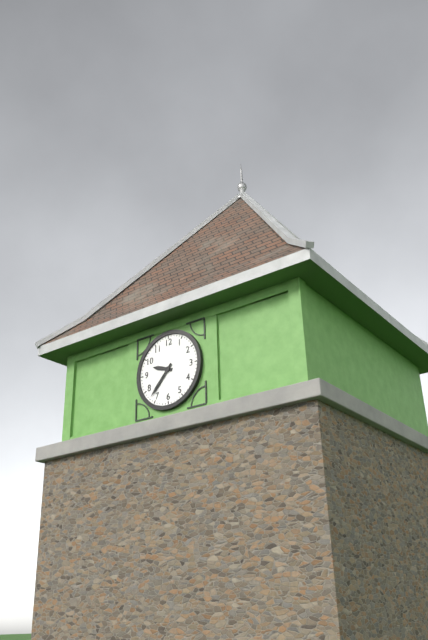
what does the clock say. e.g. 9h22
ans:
9h37
